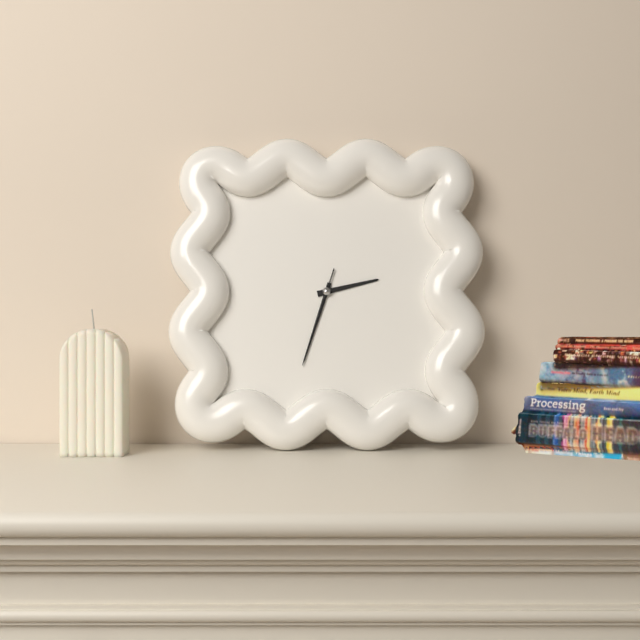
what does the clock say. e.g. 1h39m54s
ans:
2h33m33s
